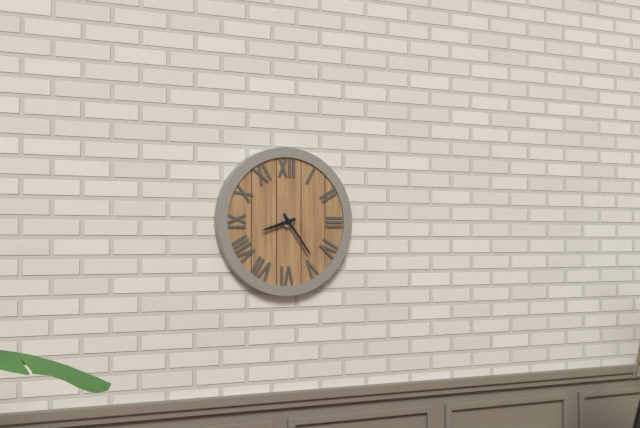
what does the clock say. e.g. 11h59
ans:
8h24
